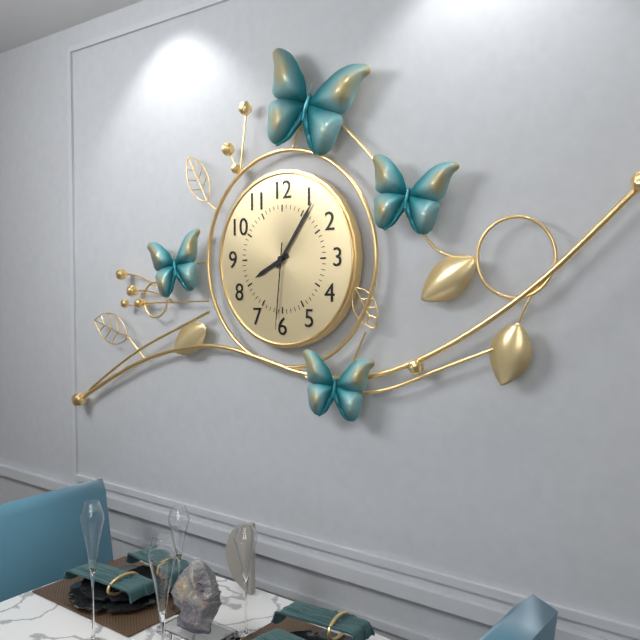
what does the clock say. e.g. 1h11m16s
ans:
8h06m31s
